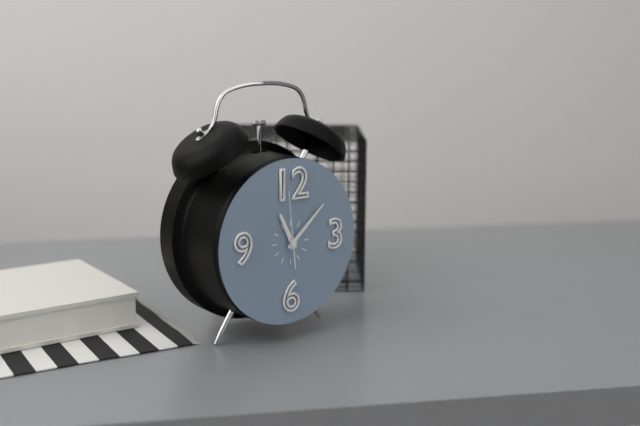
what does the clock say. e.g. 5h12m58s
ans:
11h08m59s
